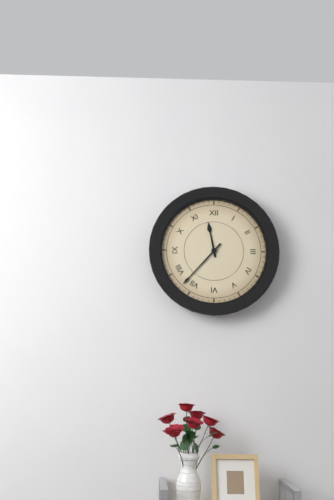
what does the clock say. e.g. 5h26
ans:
11h37
